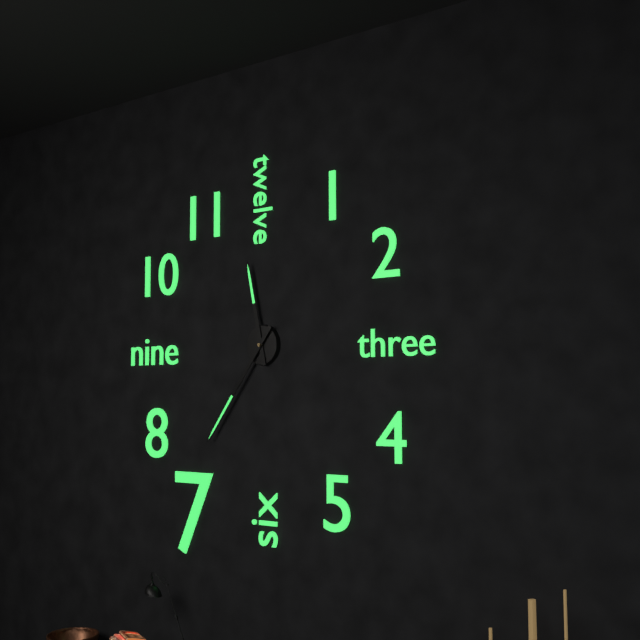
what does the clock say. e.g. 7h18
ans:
11h36
